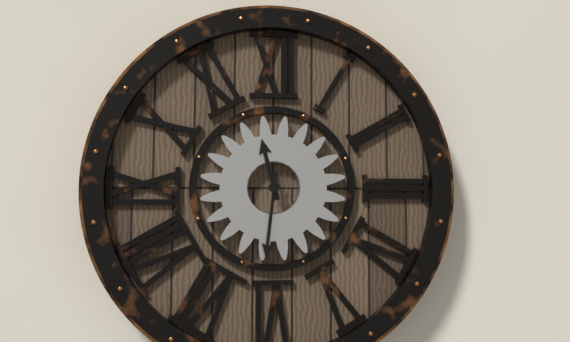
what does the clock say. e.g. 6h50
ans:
11h31
